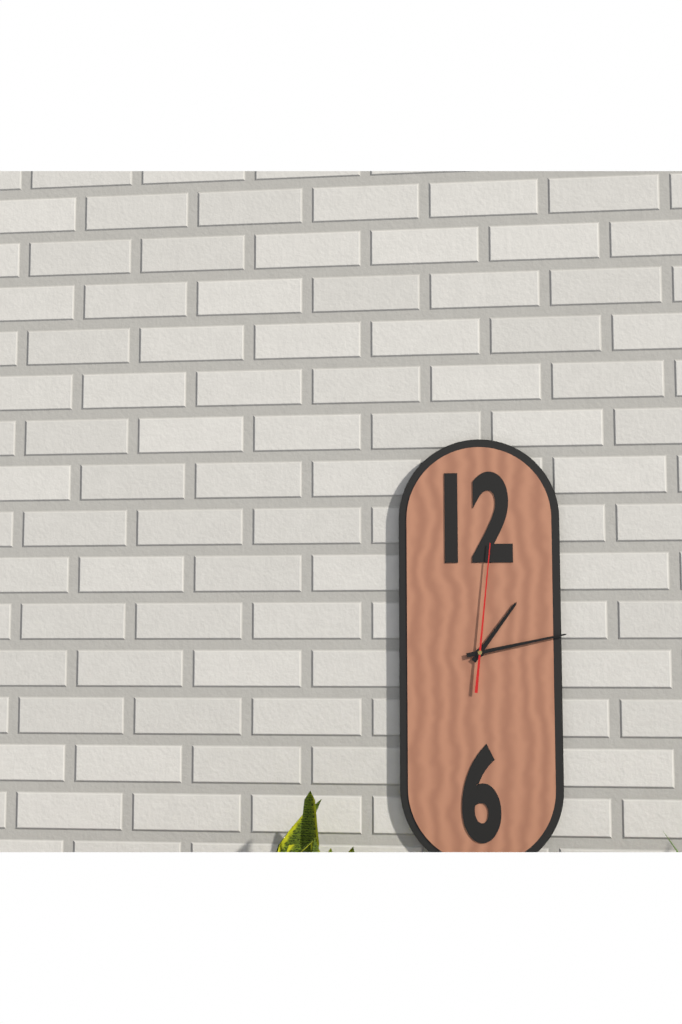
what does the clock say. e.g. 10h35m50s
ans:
1h13m01s
